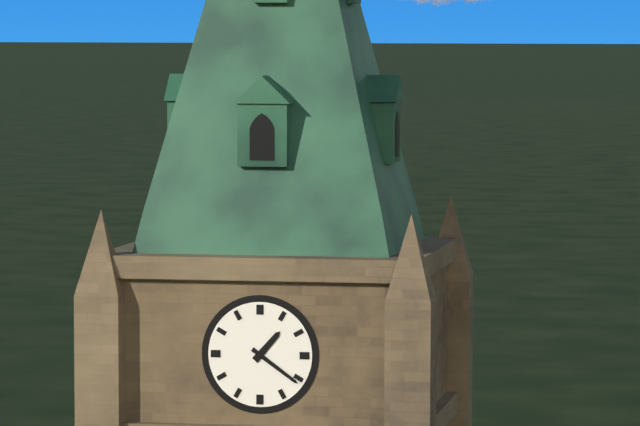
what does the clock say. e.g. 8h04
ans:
1h21
